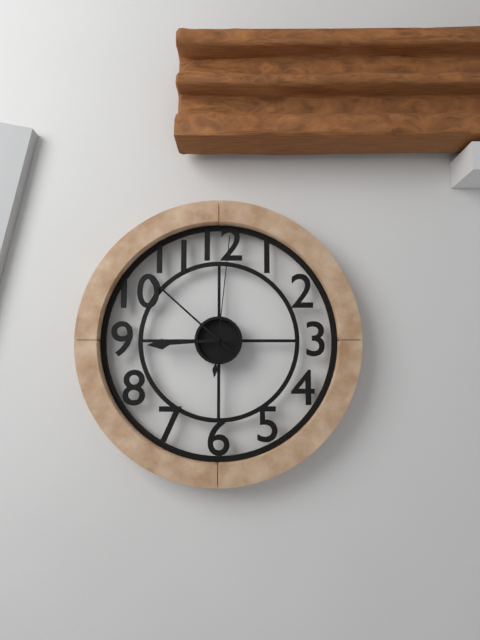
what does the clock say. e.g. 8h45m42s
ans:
8h52m01s
